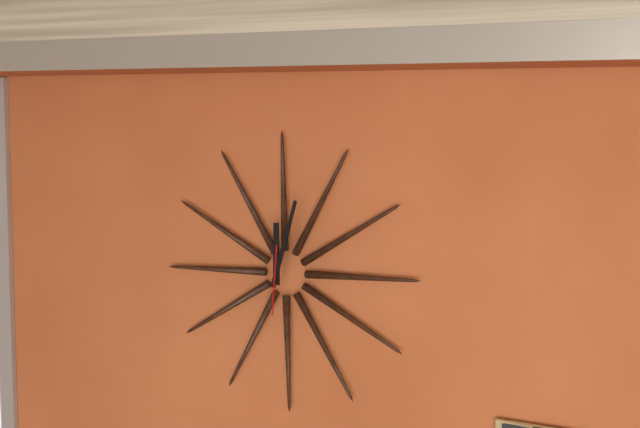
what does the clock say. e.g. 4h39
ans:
12h03
